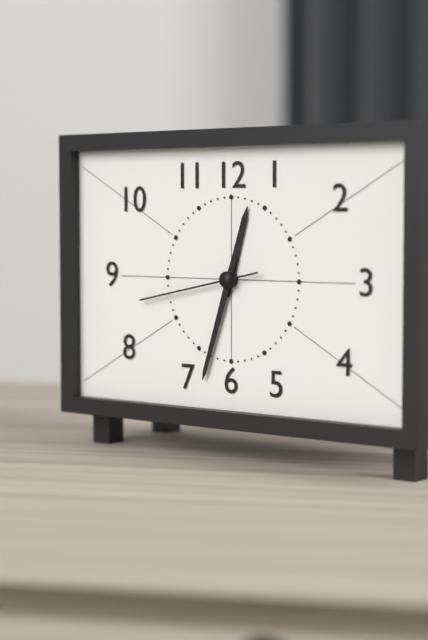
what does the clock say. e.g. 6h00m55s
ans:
12h33m43s
